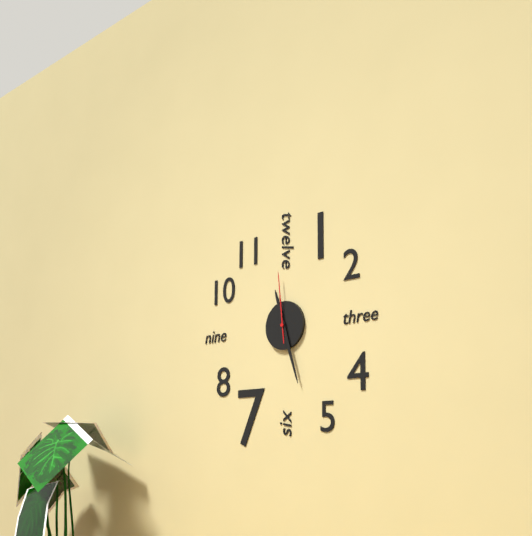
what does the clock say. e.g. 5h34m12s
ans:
11h27m59s
